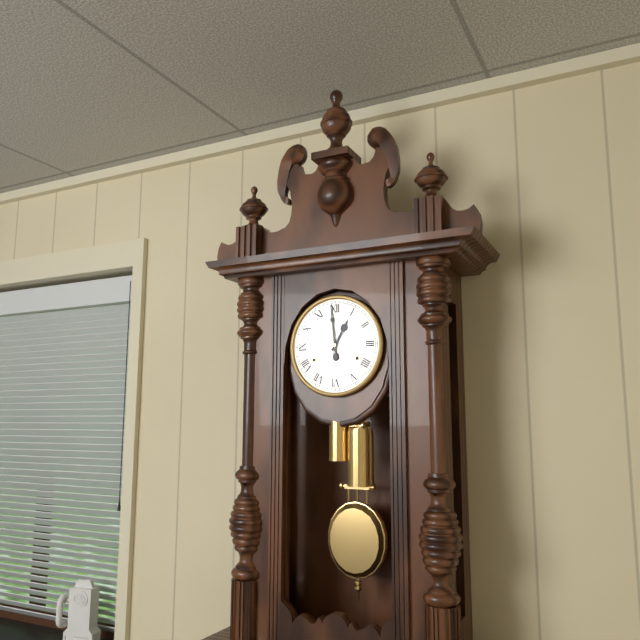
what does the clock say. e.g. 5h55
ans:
12h59
